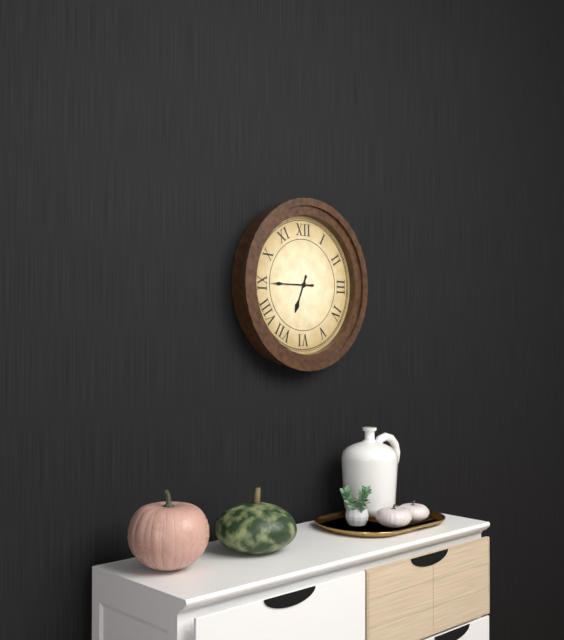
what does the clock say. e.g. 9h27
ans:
6h45
